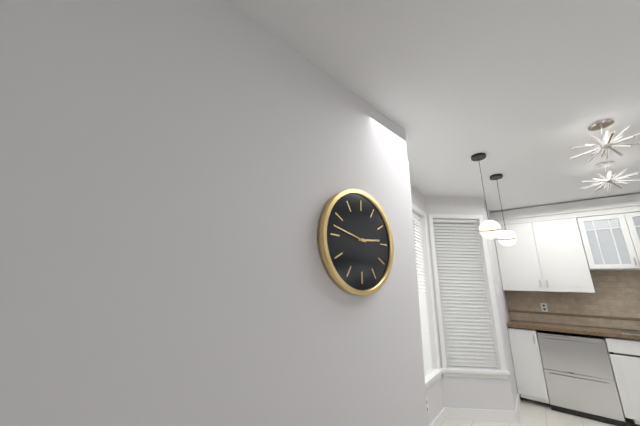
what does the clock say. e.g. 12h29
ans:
2h47
